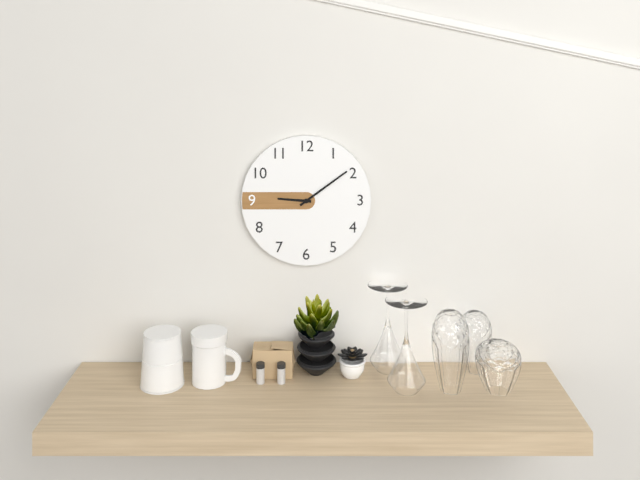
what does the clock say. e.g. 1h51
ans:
9h09
